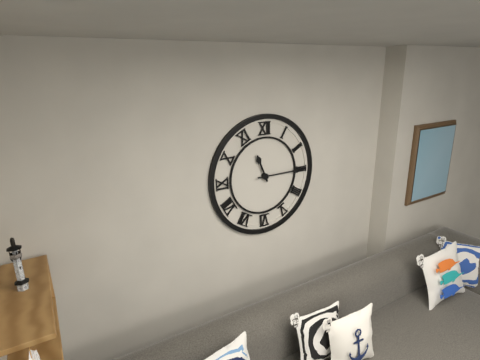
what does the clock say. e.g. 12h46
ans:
11h15
